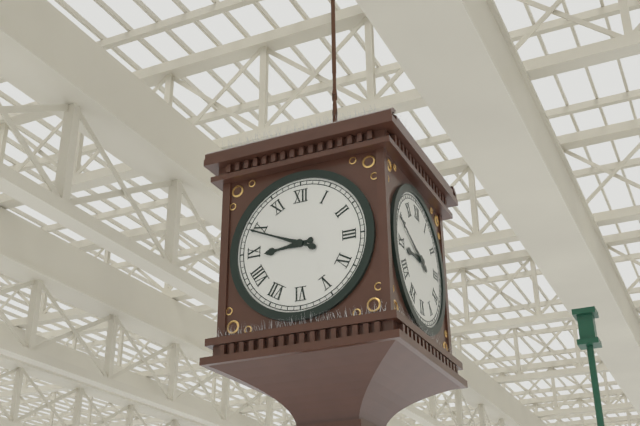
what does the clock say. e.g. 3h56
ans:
8h49
